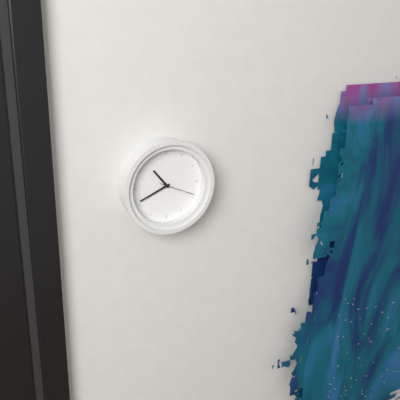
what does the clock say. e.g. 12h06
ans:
10h41
